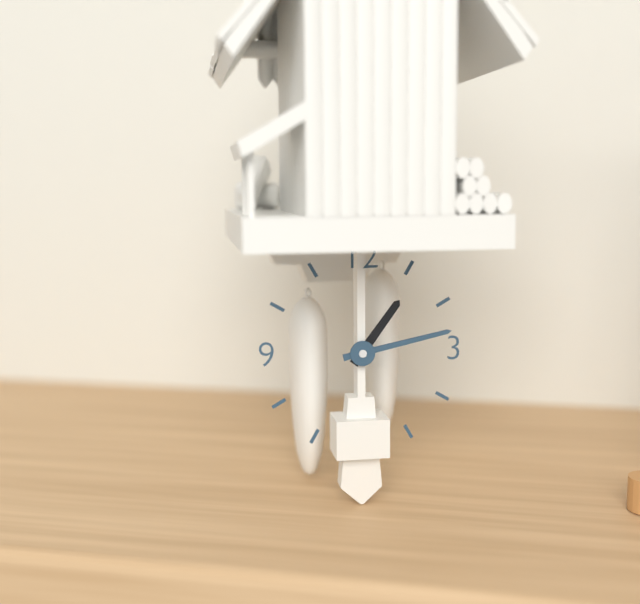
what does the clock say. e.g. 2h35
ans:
1h13
